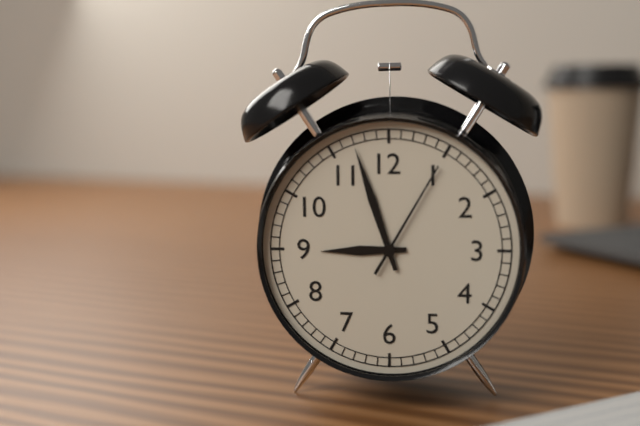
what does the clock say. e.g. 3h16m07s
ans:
8h57m05s
